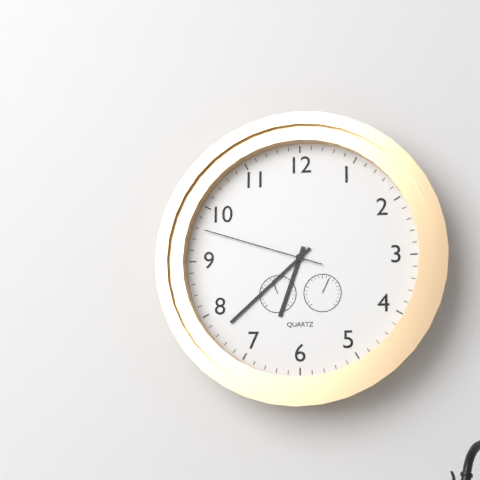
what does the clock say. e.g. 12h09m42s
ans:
6h38m48s
